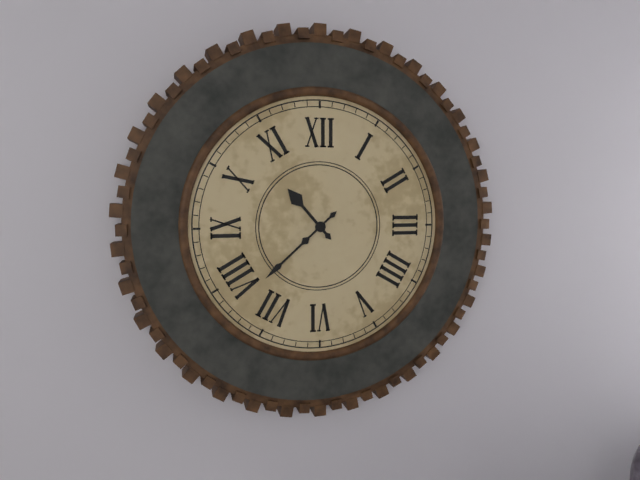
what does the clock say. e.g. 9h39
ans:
10h38
